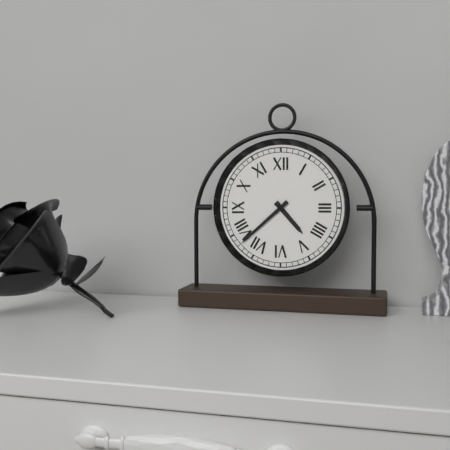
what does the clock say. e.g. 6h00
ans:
4h38
